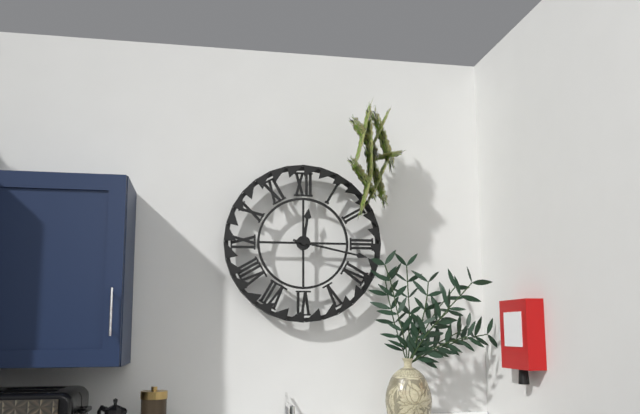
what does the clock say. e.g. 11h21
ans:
12h17
